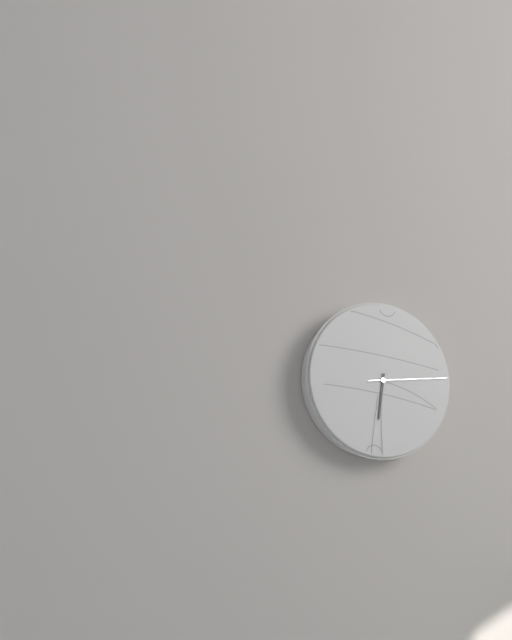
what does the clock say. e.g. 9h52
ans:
6h14
